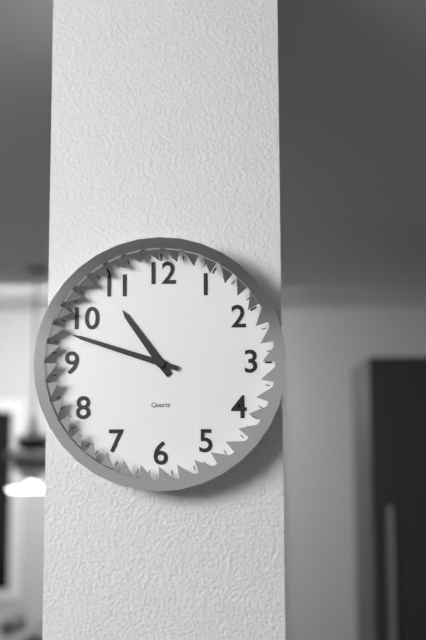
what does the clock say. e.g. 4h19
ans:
10h48
